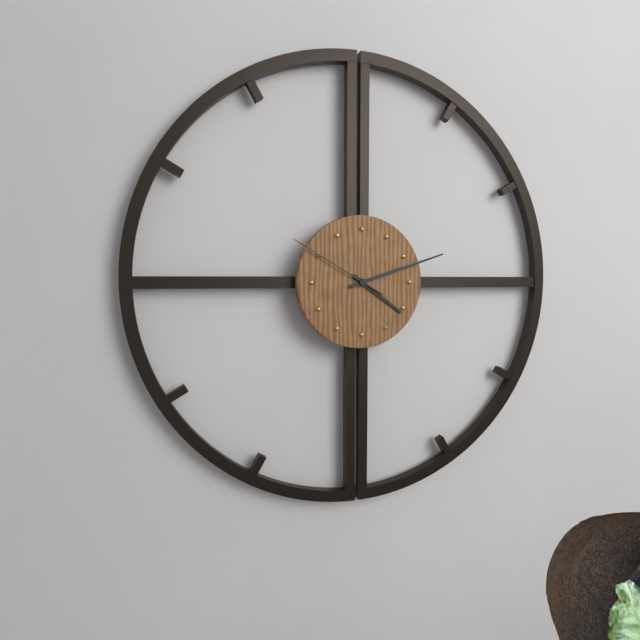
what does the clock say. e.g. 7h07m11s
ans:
4h12m50s
